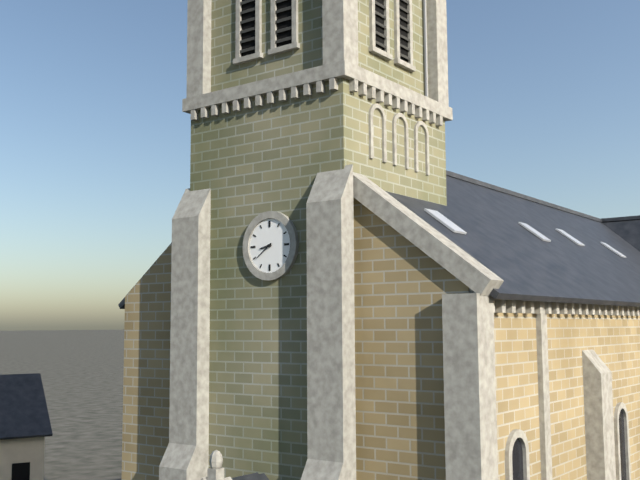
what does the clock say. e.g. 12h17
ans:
8h39
